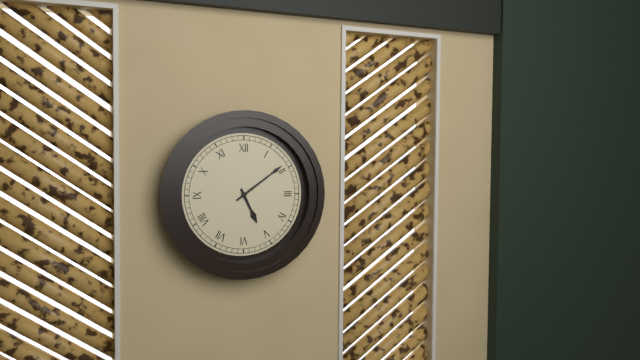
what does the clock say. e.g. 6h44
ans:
5h09
